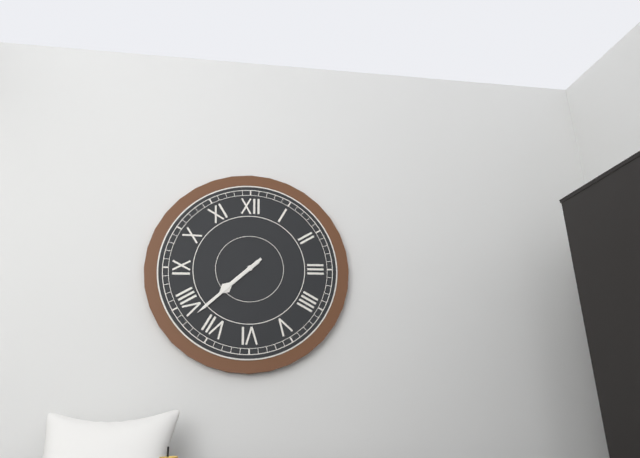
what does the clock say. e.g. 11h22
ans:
7h38
